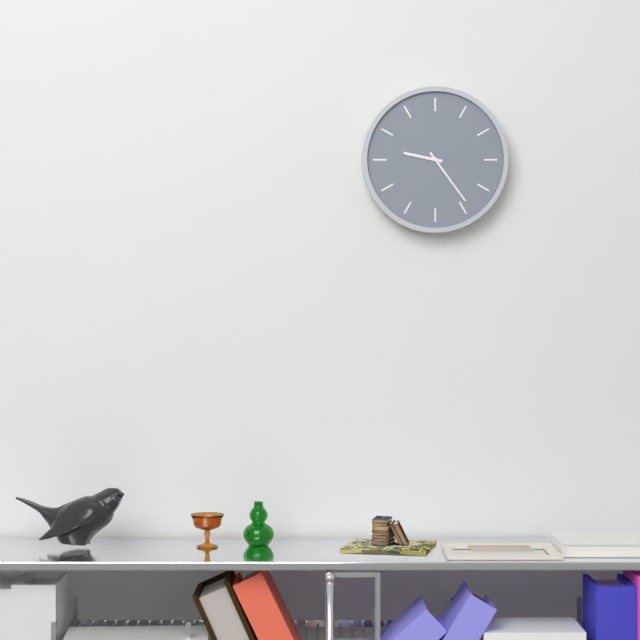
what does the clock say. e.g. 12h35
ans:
9h24
